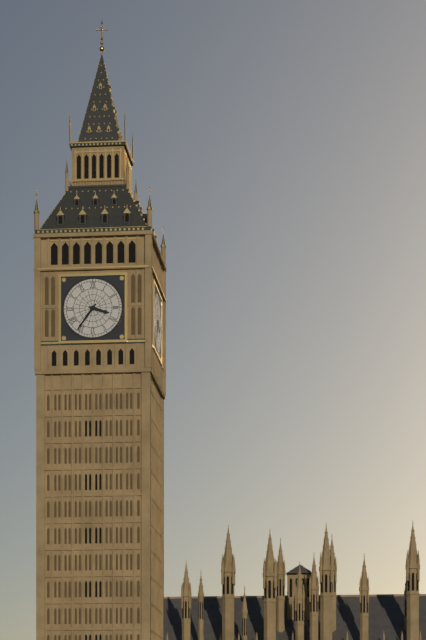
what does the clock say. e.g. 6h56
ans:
3h36
